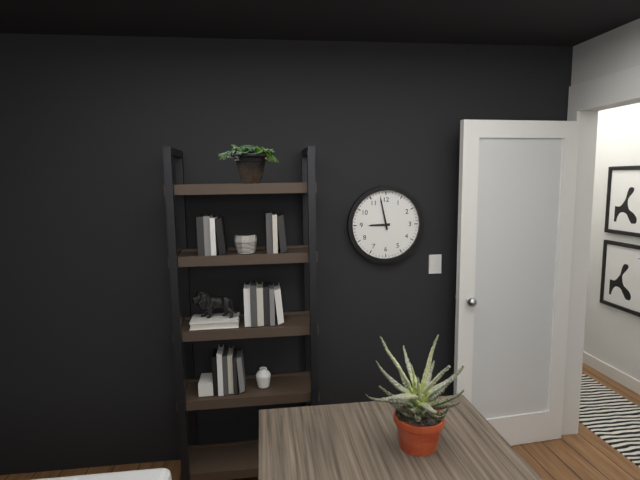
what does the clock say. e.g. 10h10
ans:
8h58
